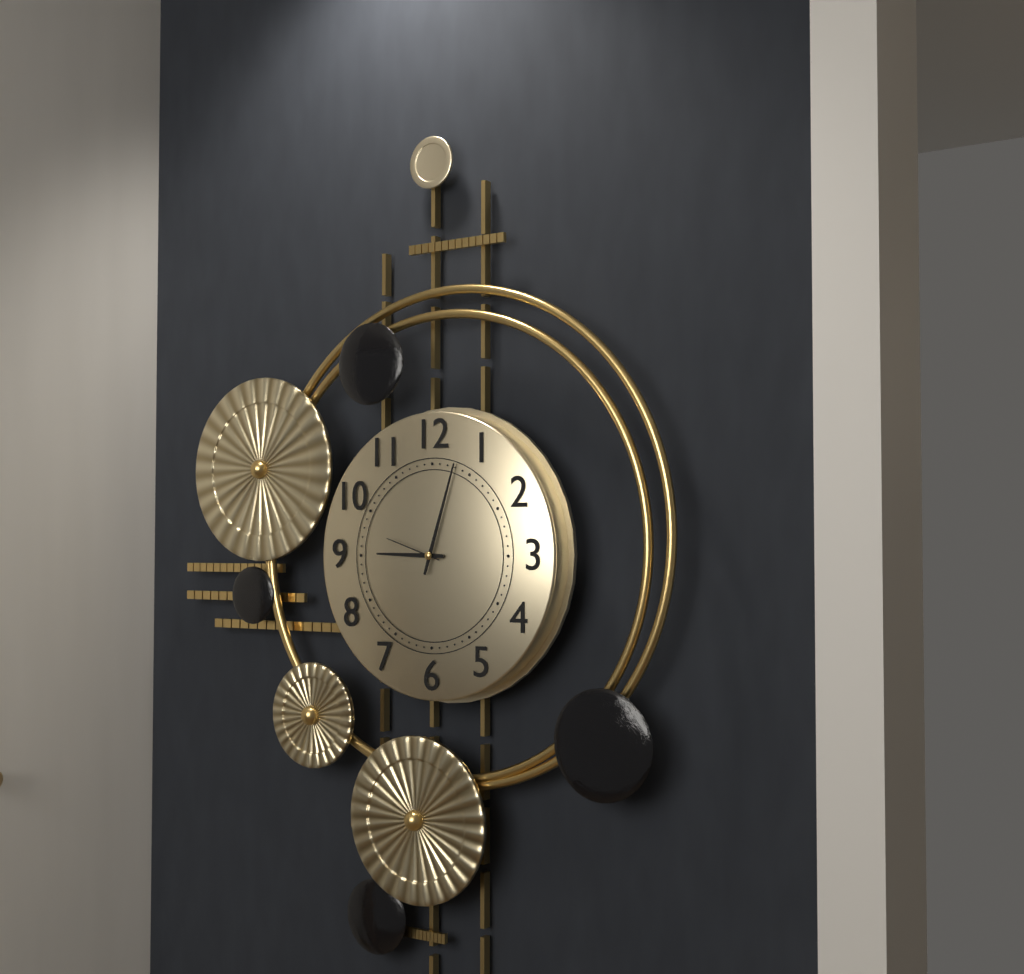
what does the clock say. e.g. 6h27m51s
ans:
9h03m48s
